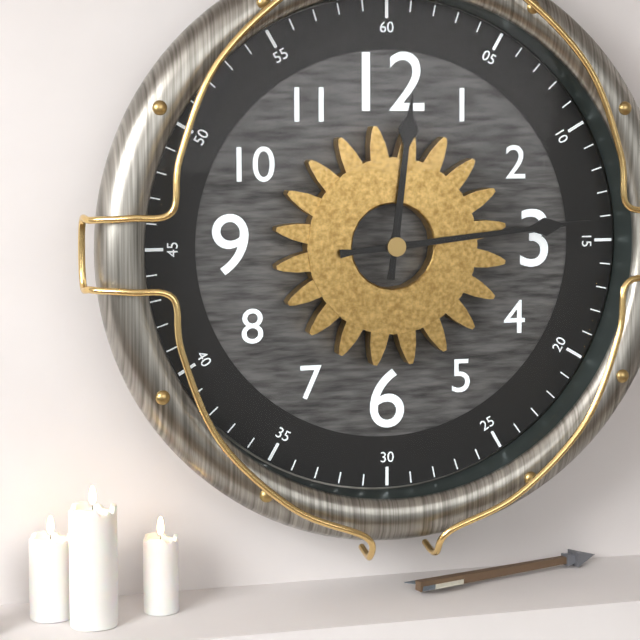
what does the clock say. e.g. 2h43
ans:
12h14
